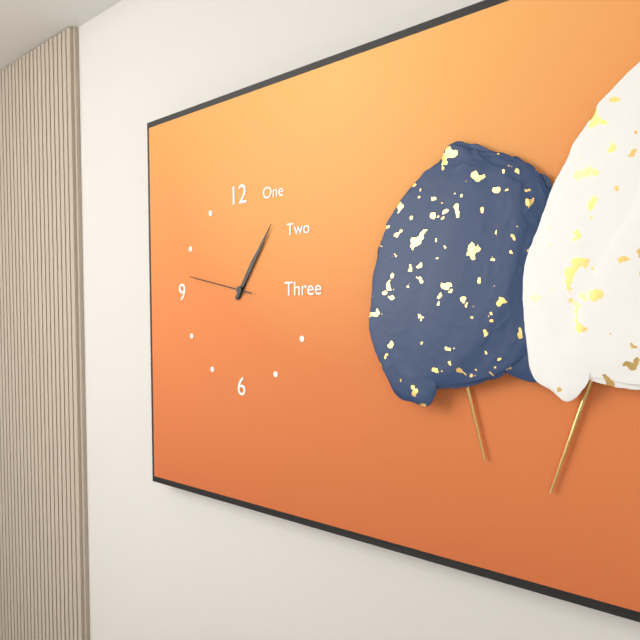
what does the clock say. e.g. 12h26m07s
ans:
1h06m47s
